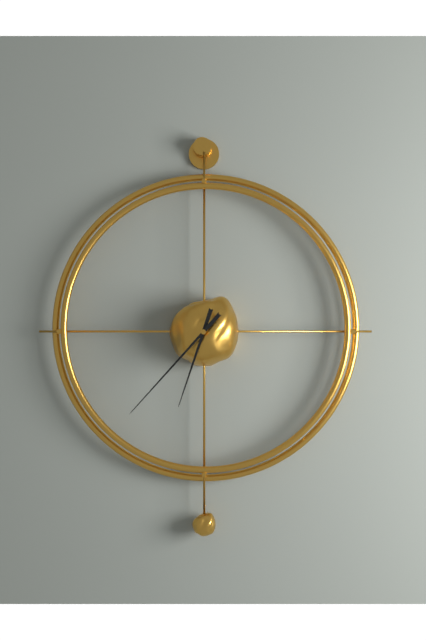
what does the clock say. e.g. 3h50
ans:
6h37
